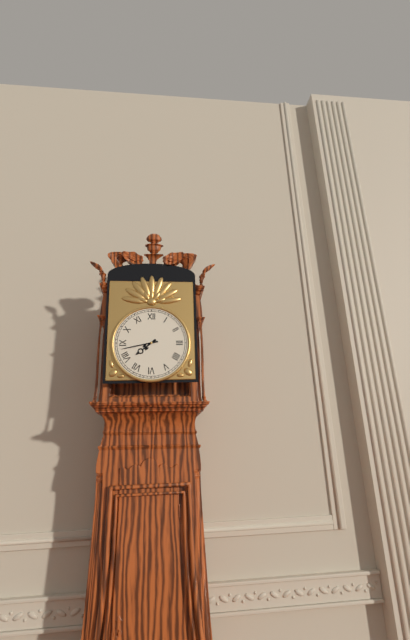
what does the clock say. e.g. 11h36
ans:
7h43
